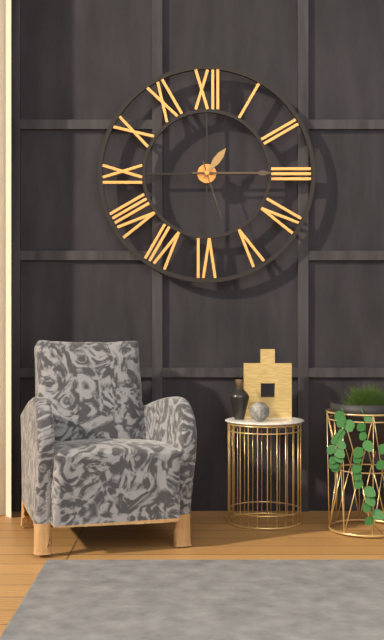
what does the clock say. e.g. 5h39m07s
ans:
1h15m27s
